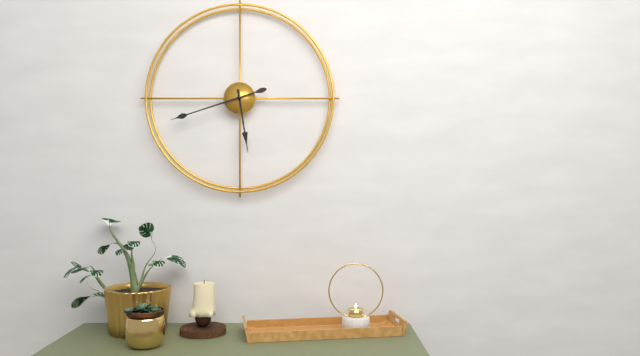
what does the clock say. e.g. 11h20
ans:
5h42
